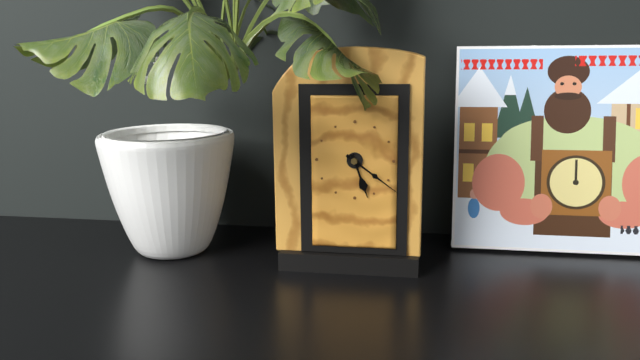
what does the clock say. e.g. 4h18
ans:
5h21
